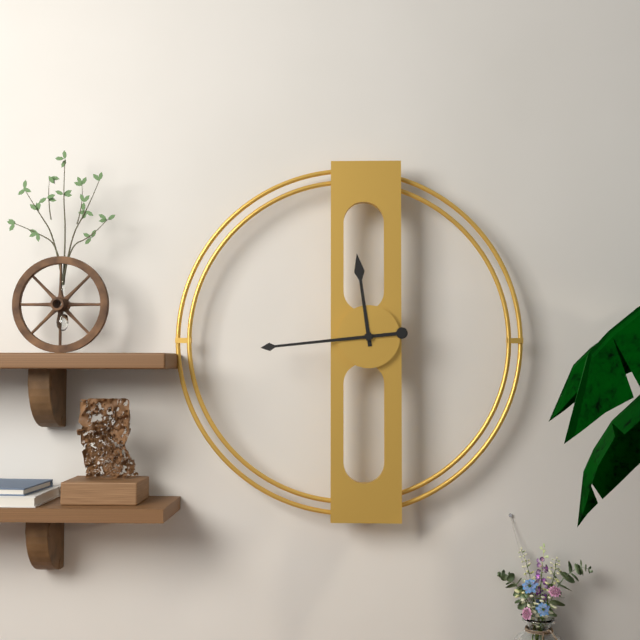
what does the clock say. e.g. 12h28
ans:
11h44
